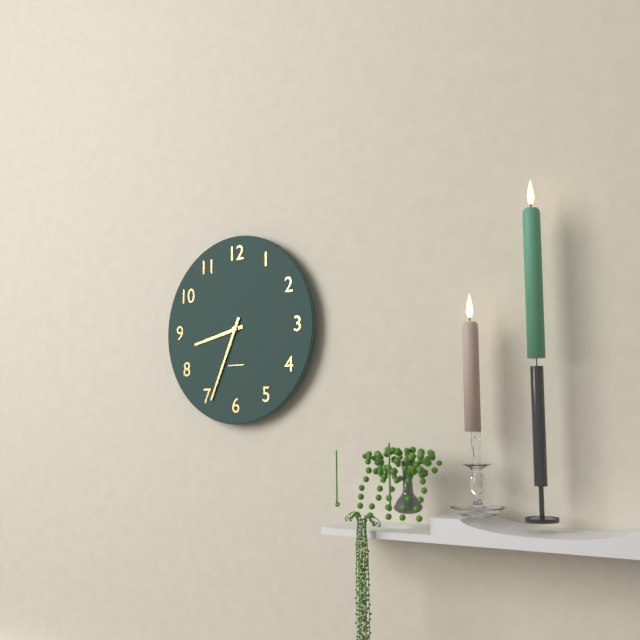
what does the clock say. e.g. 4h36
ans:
8h34
